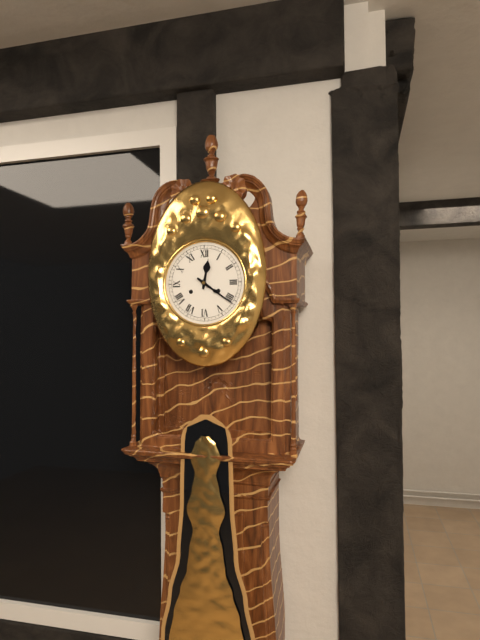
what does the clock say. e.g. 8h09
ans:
12h21
